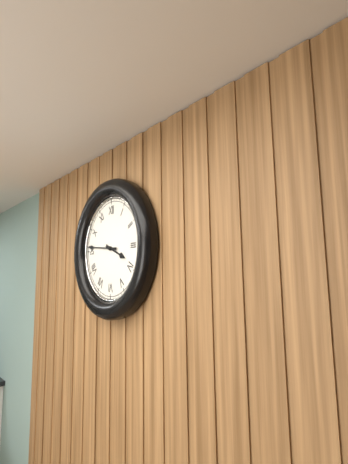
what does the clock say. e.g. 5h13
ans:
3h46
